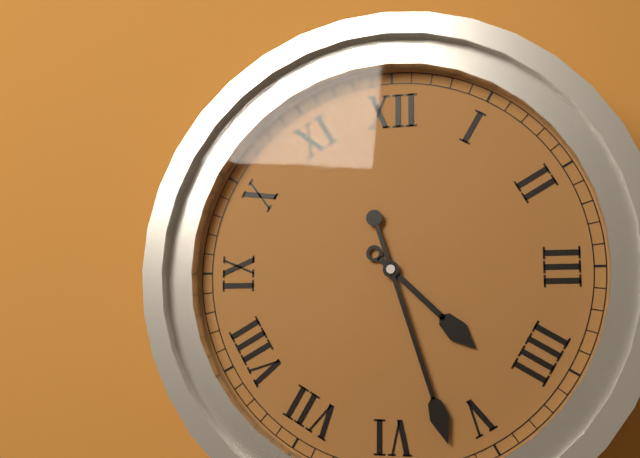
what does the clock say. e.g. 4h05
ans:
4h27
